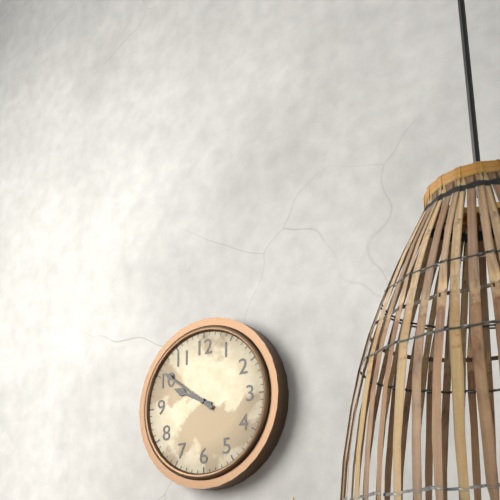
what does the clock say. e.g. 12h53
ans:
9h51
